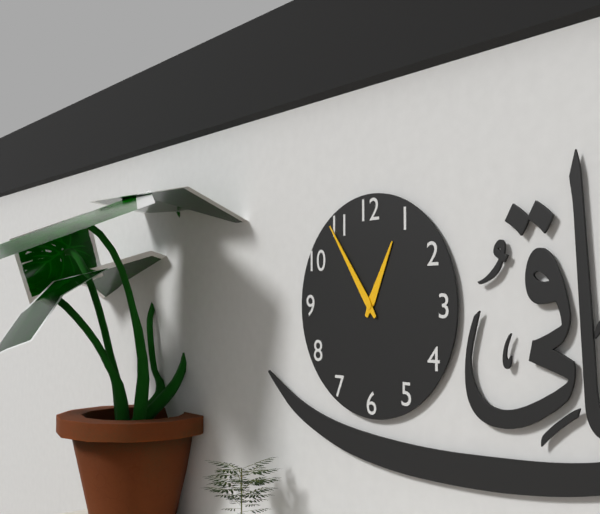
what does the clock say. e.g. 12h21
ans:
12h54
